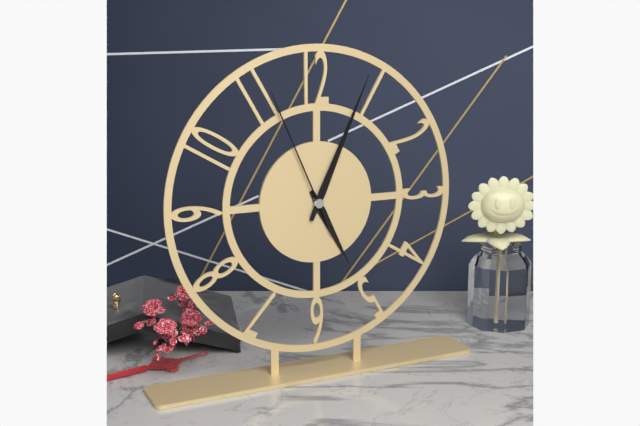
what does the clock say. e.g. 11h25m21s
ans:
5h04m56s
